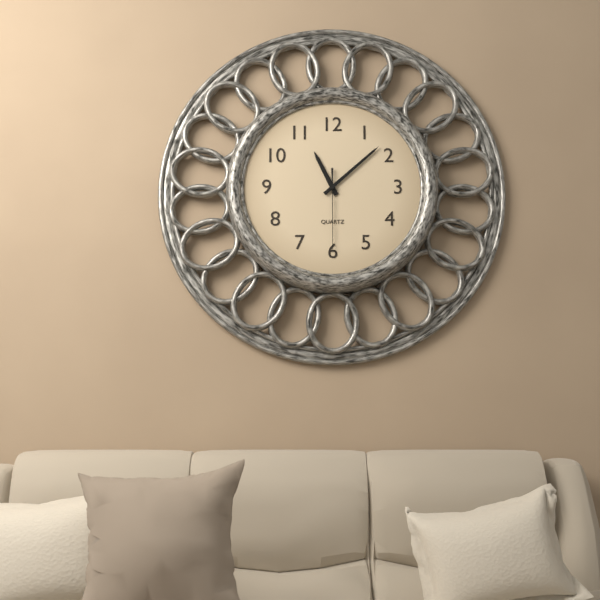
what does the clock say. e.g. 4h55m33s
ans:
11h08m30s
